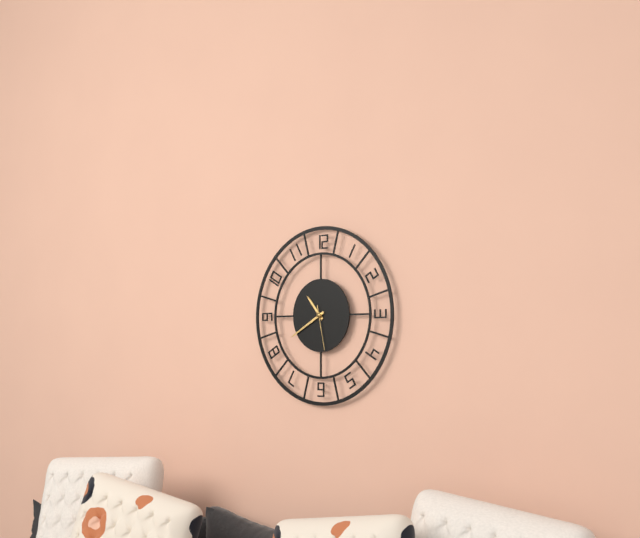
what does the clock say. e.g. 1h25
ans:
10h40
